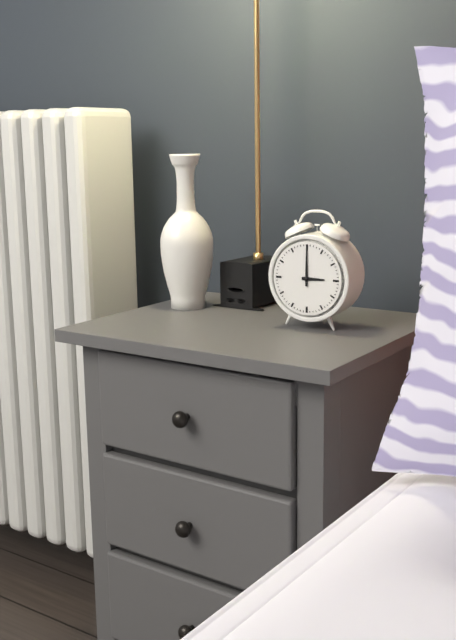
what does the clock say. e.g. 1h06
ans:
3h00
